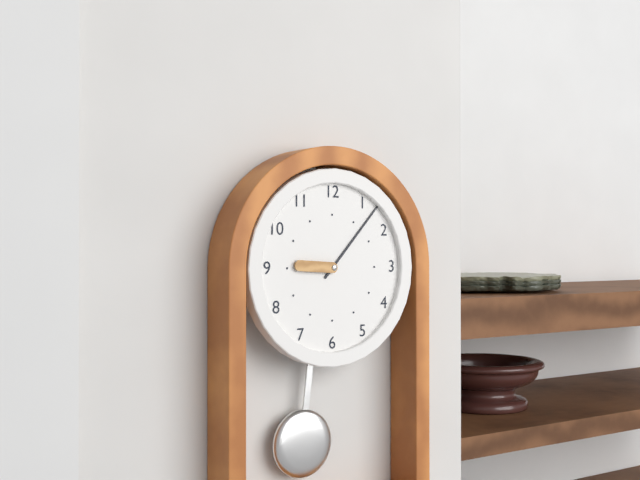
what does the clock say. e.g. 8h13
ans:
9h07
